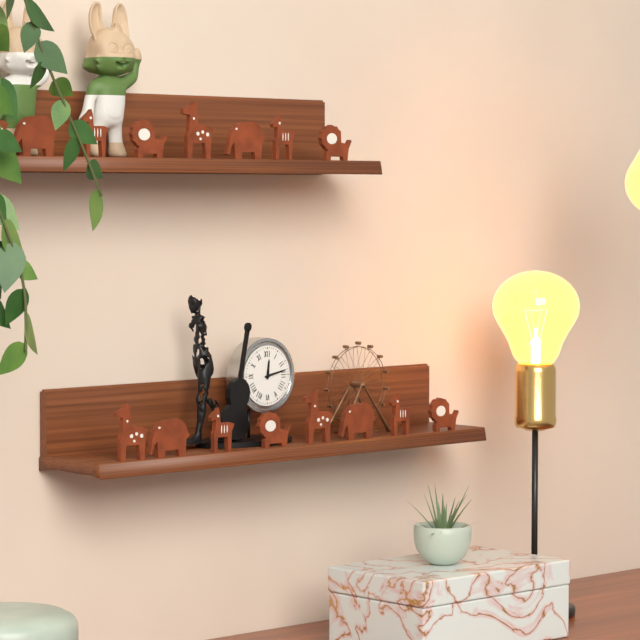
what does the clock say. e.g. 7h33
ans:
12h13
